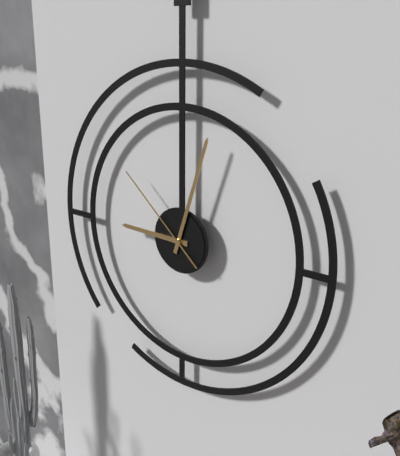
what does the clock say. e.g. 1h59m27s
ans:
9h03m52s
